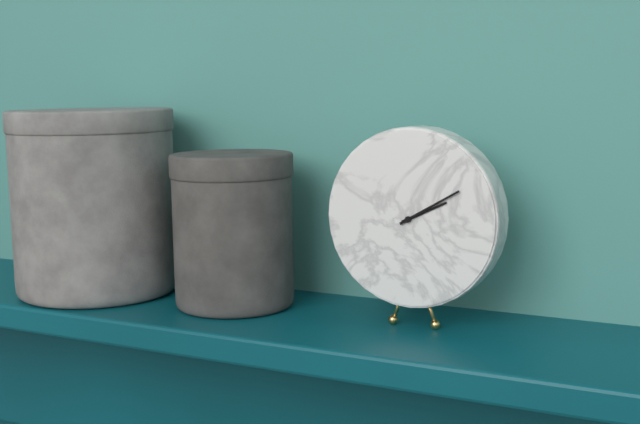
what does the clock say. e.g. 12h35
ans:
2h10
